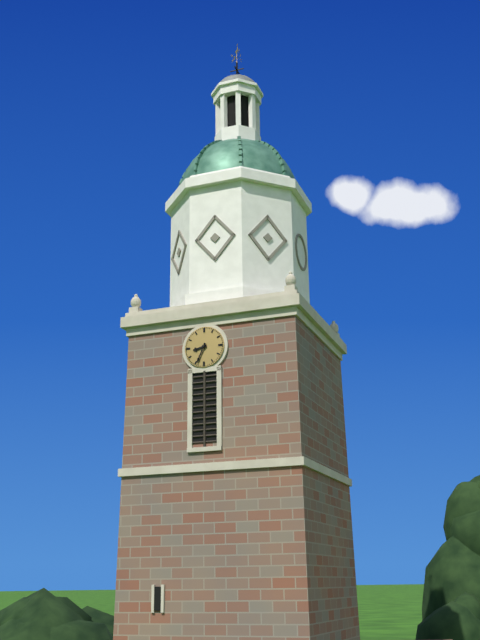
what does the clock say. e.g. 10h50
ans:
8h34
